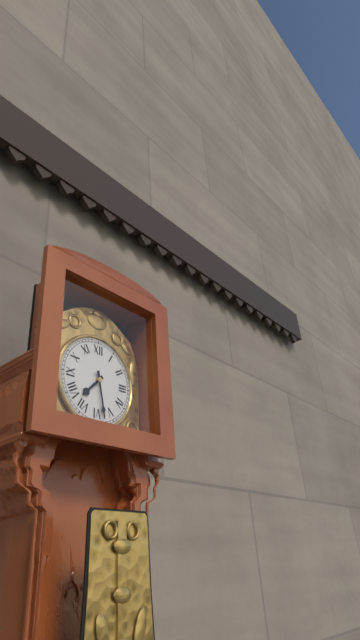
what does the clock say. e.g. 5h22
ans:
7h28
